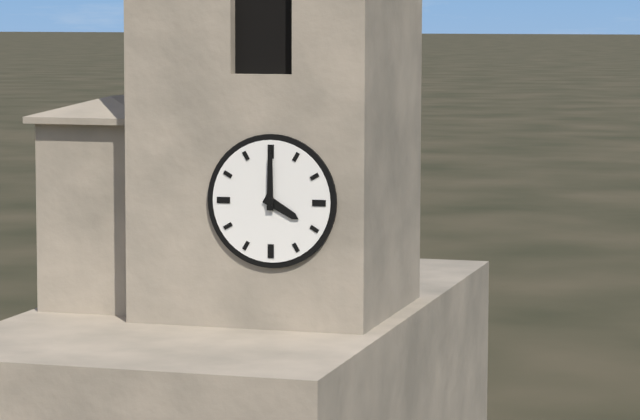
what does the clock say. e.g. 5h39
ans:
4h00
